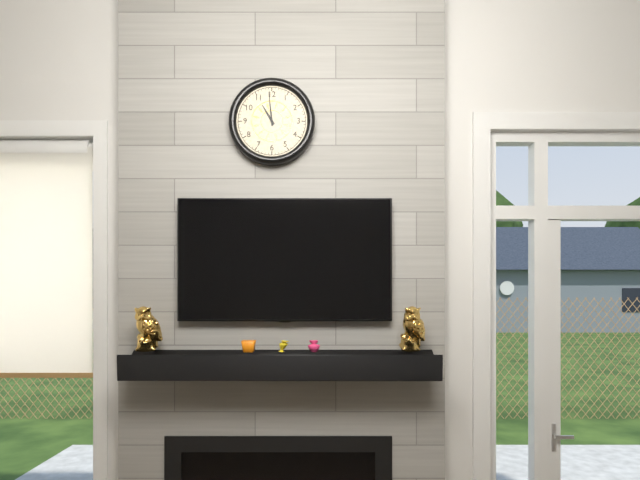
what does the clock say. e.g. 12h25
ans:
10h59
